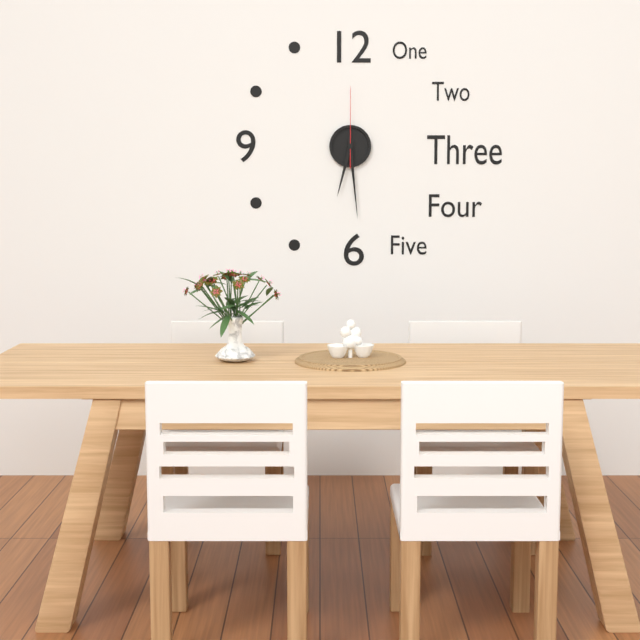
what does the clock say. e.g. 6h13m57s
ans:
6h29m00s
